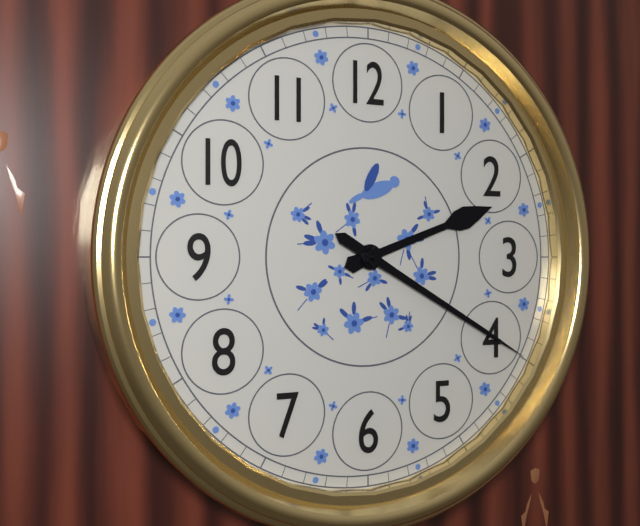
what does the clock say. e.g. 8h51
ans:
2h20
